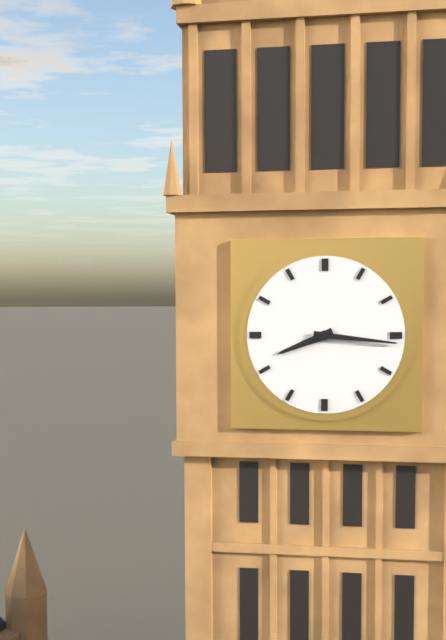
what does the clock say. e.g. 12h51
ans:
8h16
